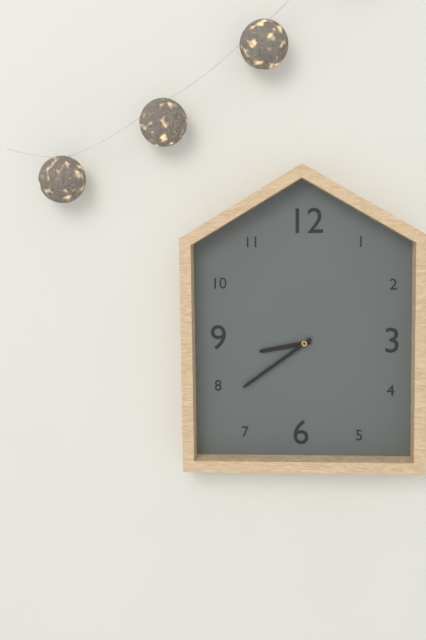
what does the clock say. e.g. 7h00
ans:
8h39
